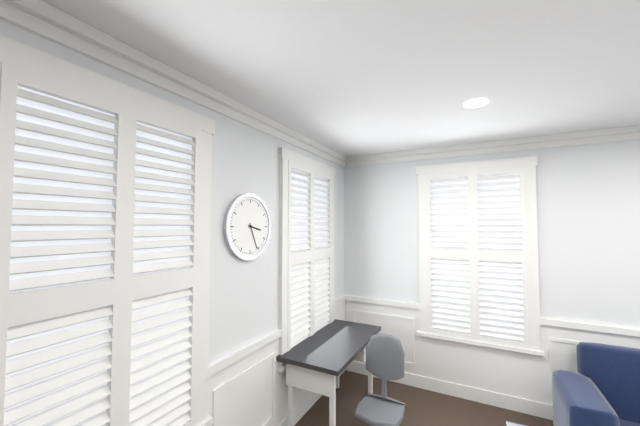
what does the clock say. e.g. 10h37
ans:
3h26
